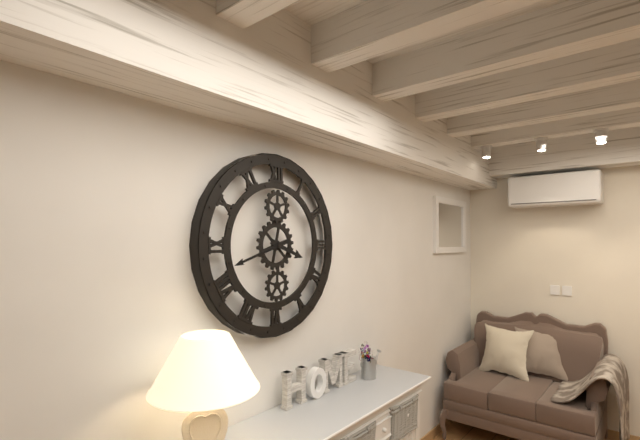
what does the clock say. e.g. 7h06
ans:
3h42
